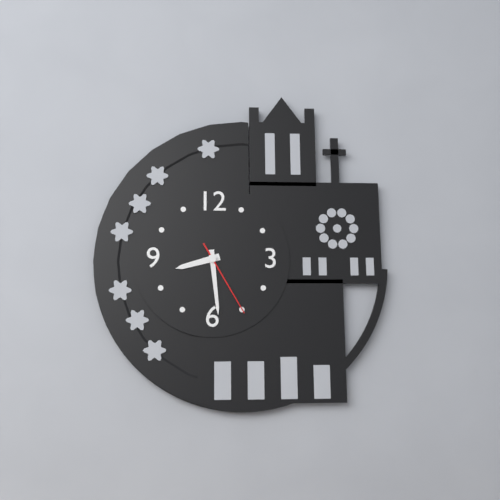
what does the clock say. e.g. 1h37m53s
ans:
8h29m25s
